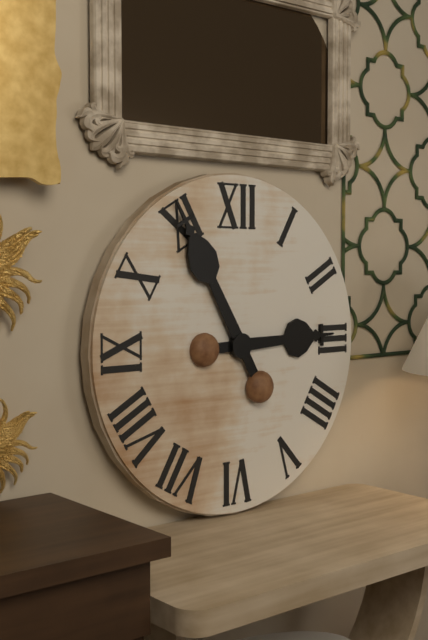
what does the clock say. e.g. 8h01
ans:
2h55
